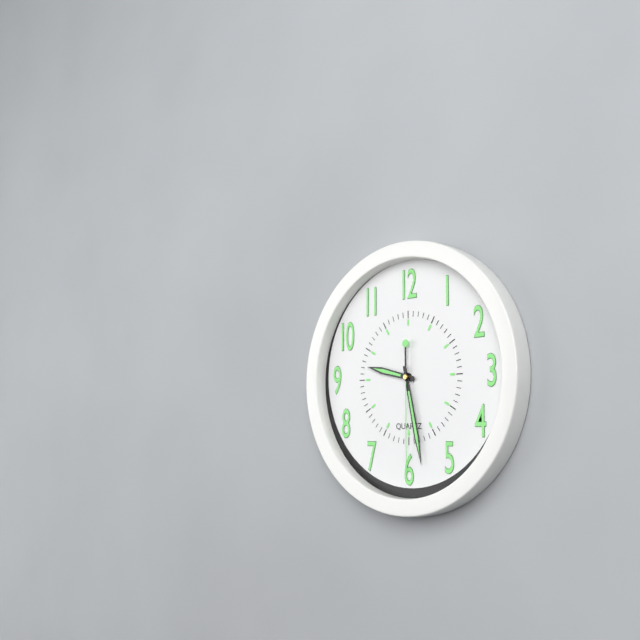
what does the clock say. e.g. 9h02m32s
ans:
9h28m30s
